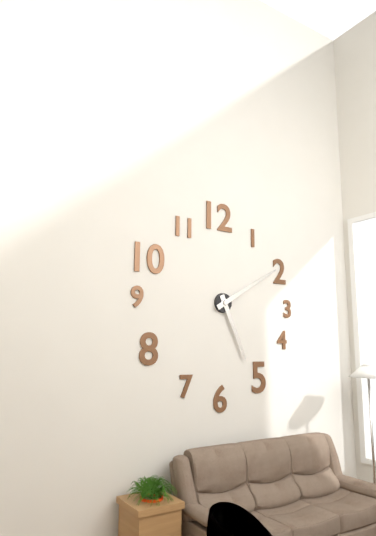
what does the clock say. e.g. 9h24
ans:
5h10
